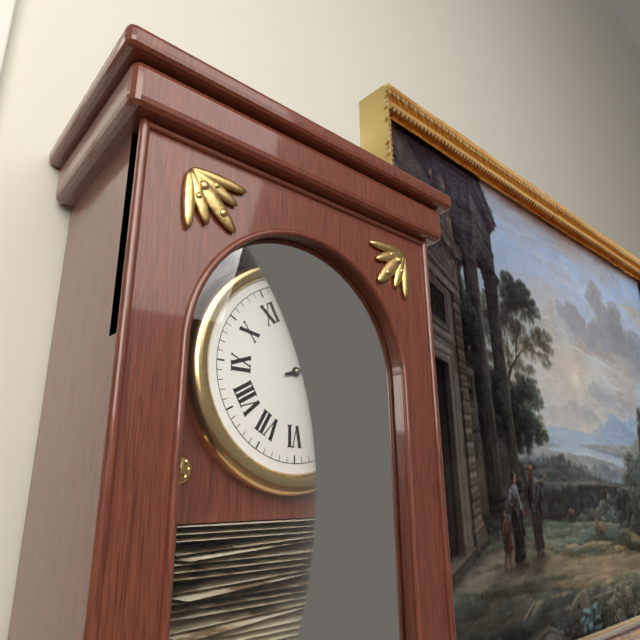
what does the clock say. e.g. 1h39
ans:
2h12
